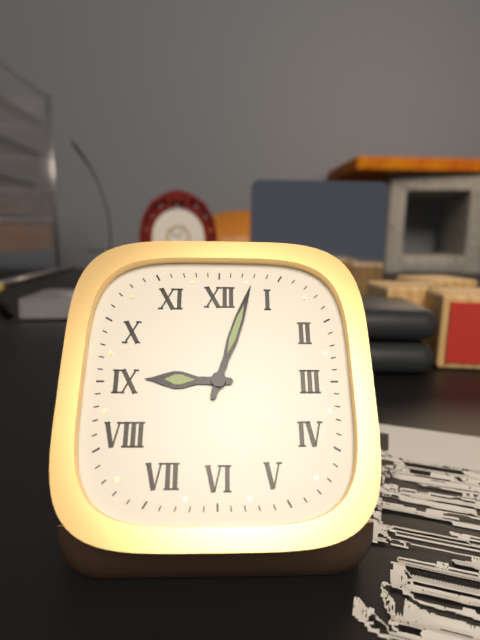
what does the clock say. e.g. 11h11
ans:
9h03
